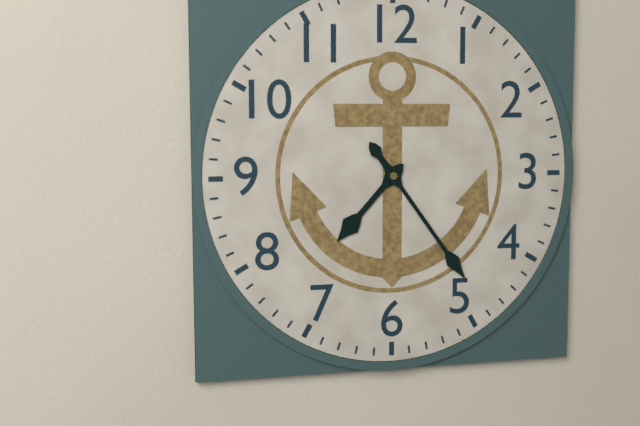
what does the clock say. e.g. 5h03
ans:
7h24
